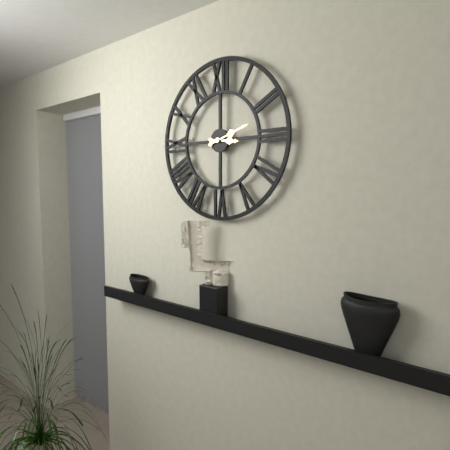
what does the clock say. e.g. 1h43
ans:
3h12
